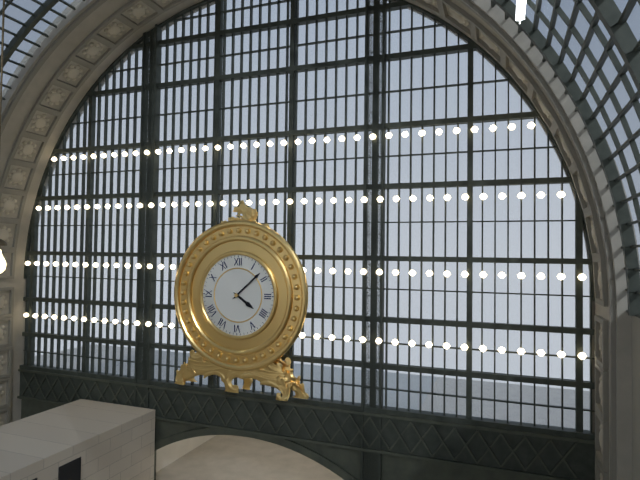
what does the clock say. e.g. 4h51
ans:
4h08
